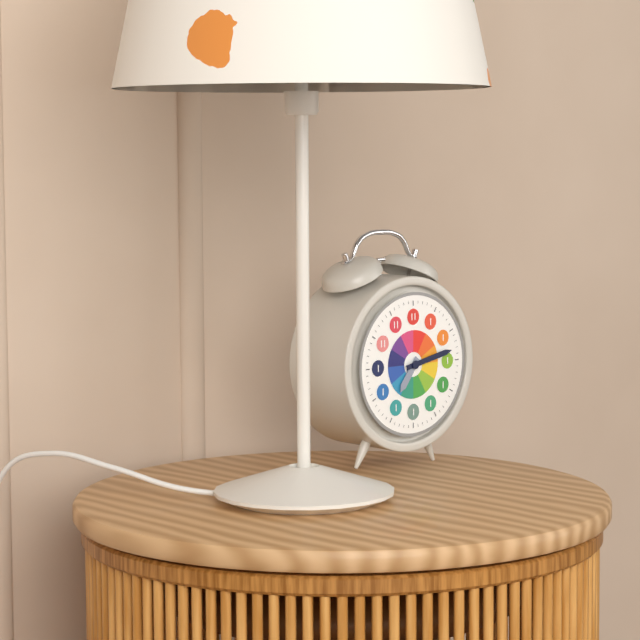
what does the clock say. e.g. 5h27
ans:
7h13
